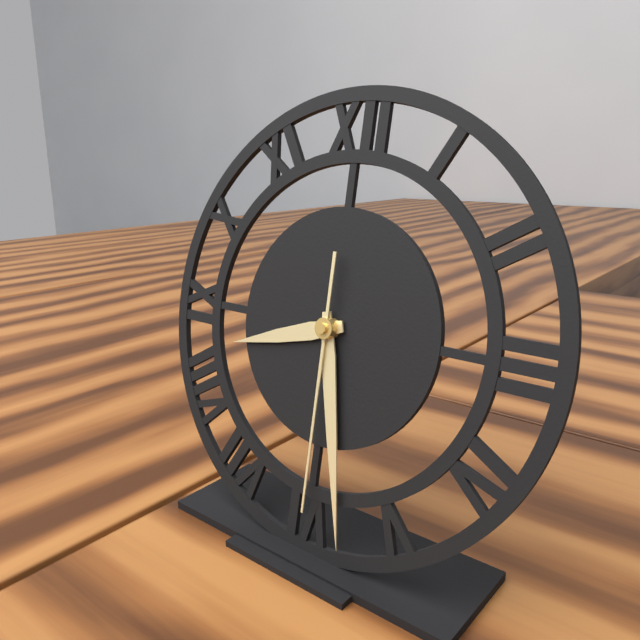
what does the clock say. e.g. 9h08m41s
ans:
8h28m30s
